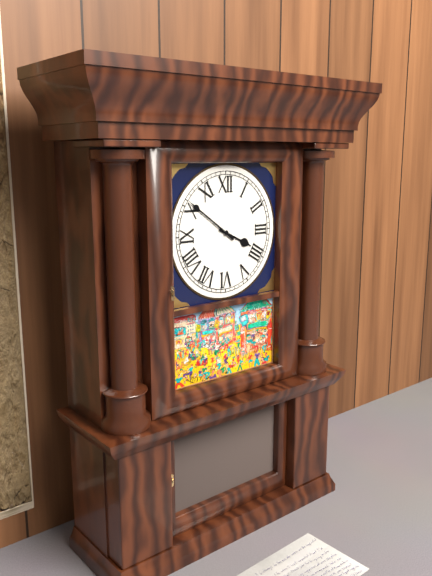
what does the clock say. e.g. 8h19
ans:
3h51
